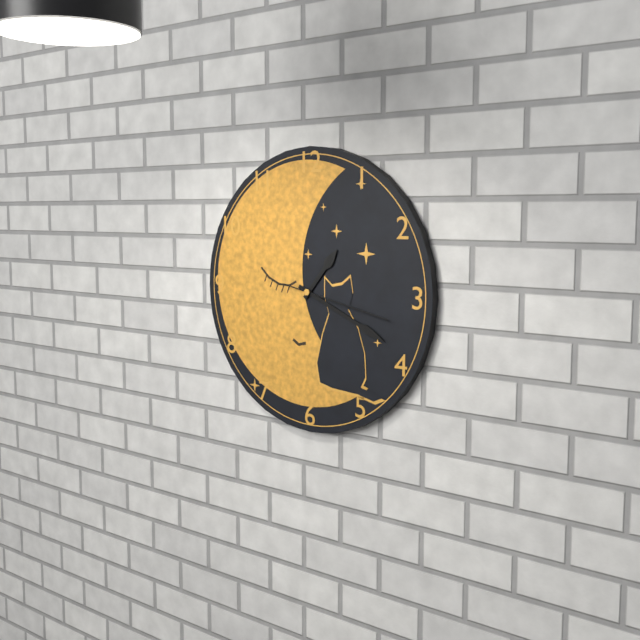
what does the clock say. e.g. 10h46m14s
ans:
1h19m17s
